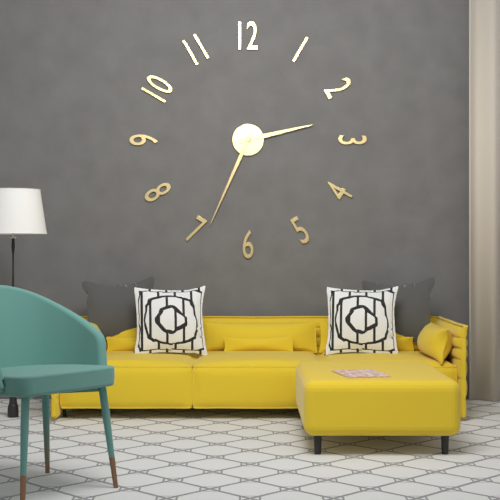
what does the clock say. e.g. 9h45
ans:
2h34
